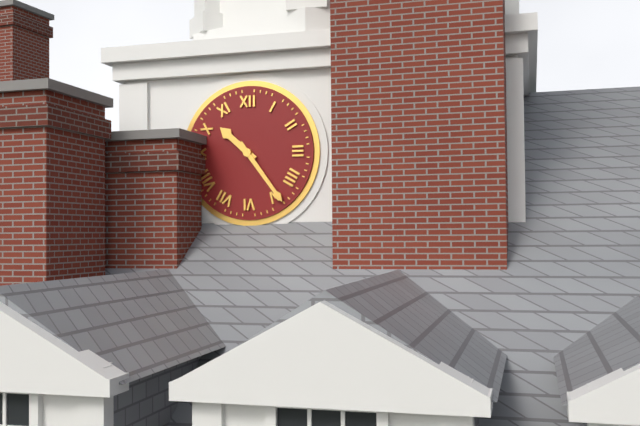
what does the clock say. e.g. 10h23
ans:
10h24
